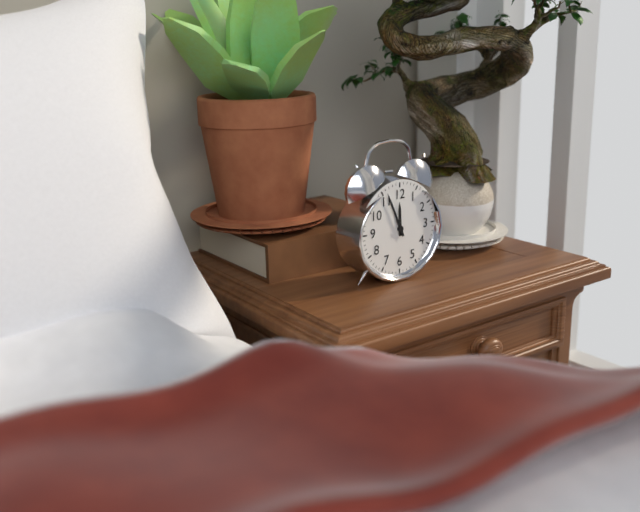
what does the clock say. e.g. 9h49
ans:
11h56
